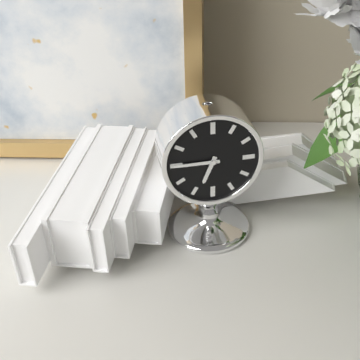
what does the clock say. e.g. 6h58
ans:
6h45
